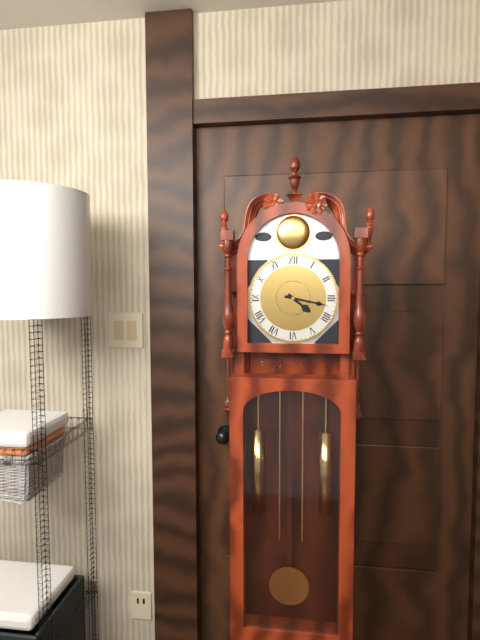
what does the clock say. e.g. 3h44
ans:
4h17
